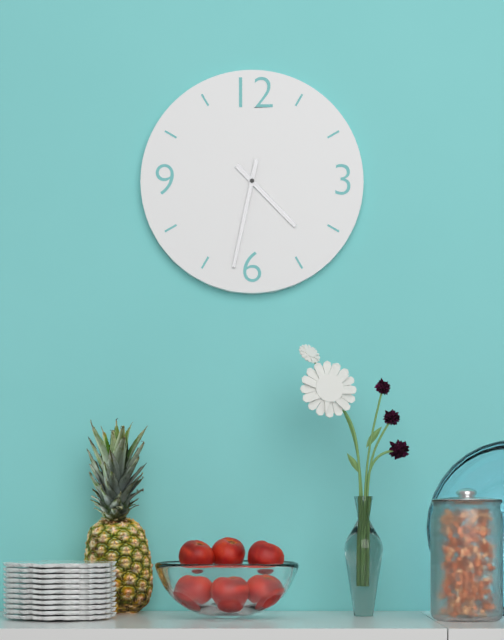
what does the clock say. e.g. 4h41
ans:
4h32
